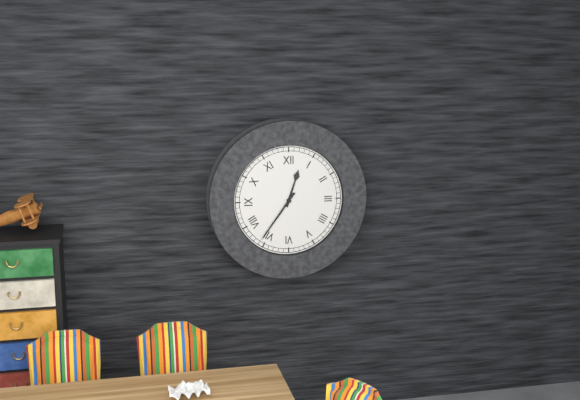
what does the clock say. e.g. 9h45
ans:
12h36
